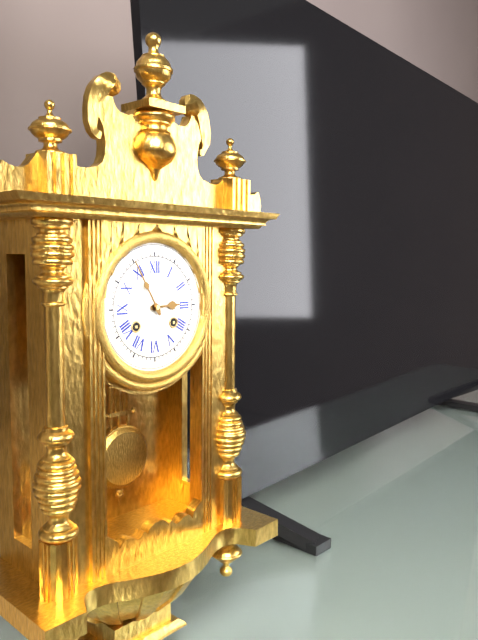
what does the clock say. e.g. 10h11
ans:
2h55
